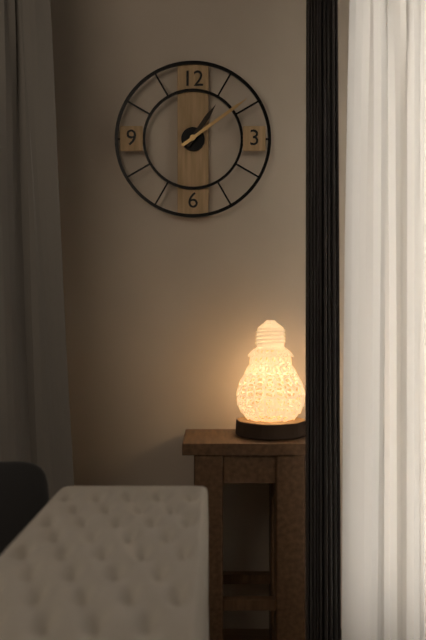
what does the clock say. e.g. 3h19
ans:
1h09
